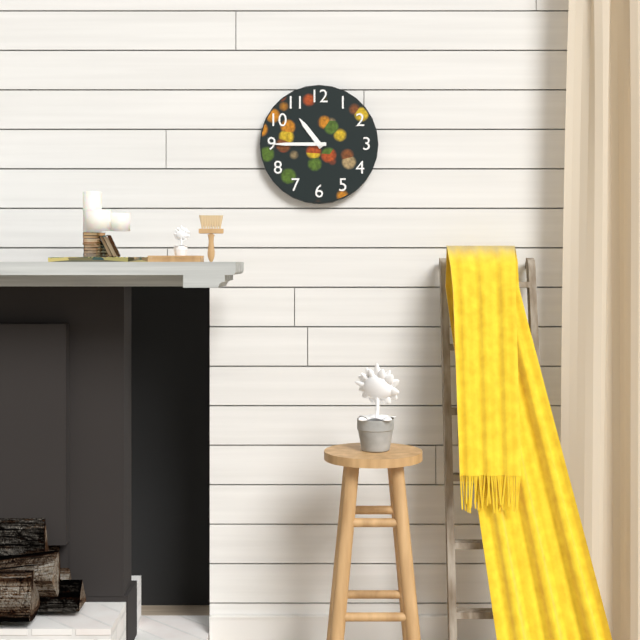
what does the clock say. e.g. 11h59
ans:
10h45
